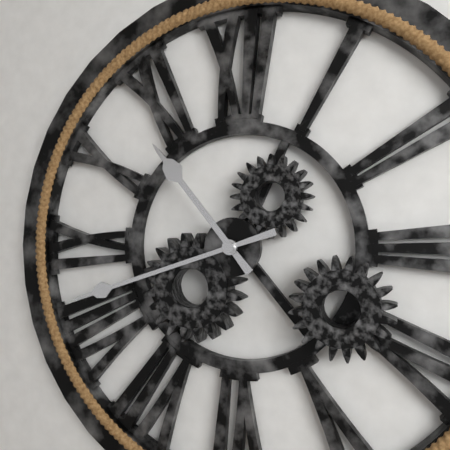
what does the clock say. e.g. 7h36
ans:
10h42
